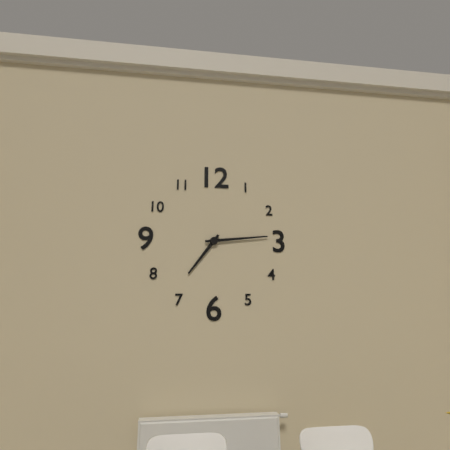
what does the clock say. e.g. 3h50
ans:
7h14
